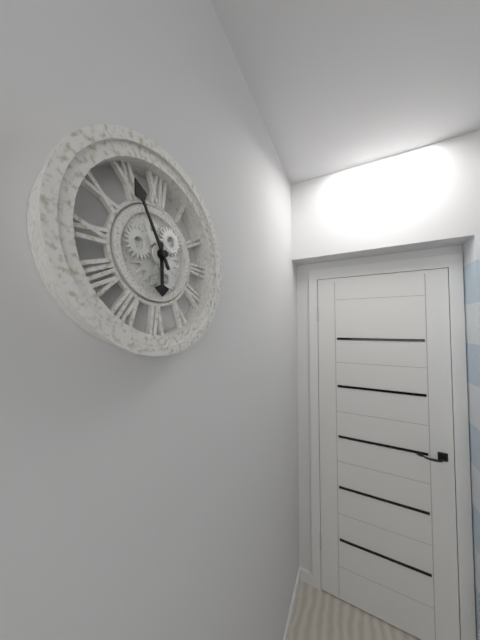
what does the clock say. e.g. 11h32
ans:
5h55
